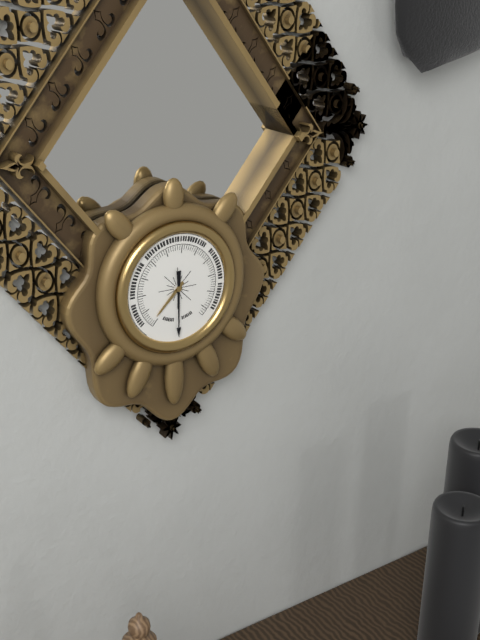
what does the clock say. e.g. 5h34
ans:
7h30
